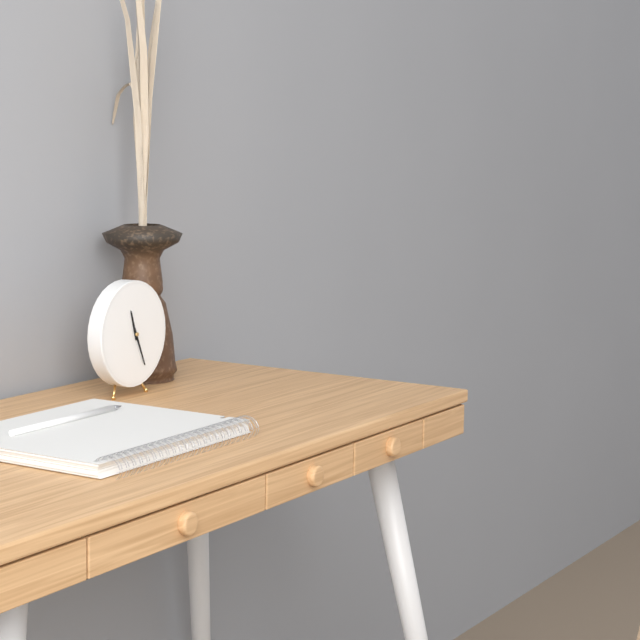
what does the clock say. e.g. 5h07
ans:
11h26
